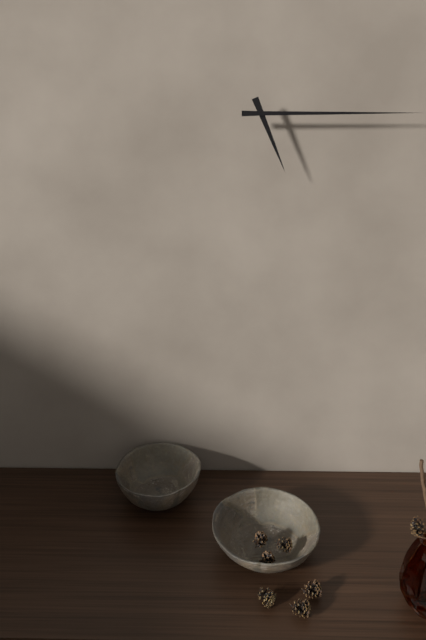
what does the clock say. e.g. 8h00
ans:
5h15
